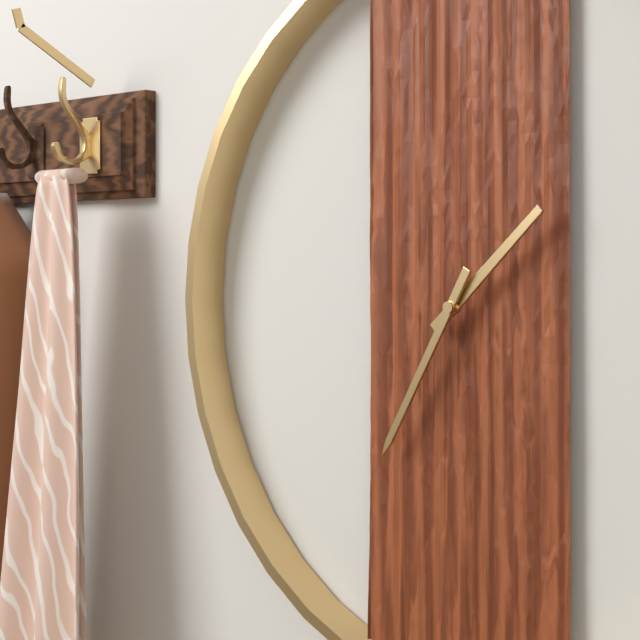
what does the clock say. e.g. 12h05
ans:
1h35
